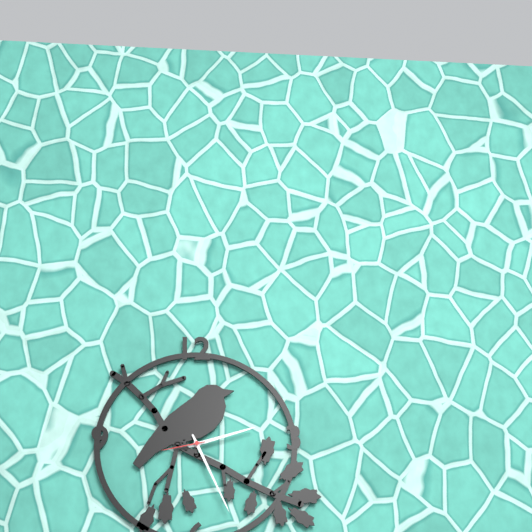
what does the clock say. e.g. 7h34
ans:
2h26
